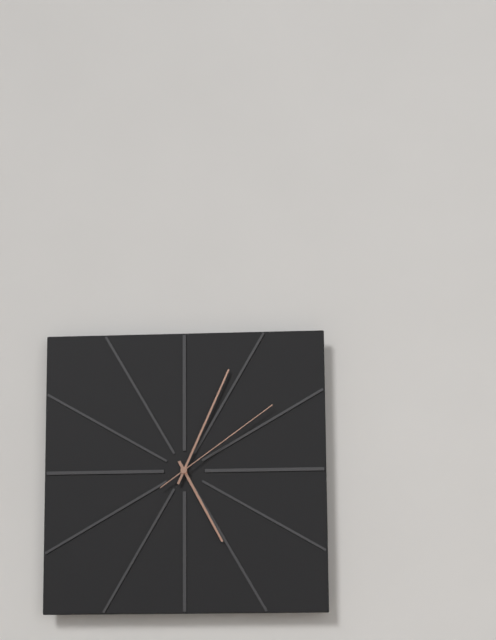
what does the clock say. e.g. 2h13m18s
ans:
5h04m09s
